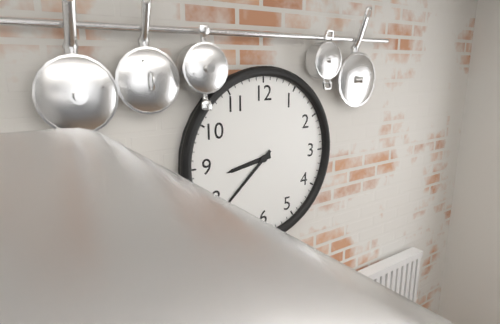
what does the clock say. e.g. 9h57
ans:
8h38
